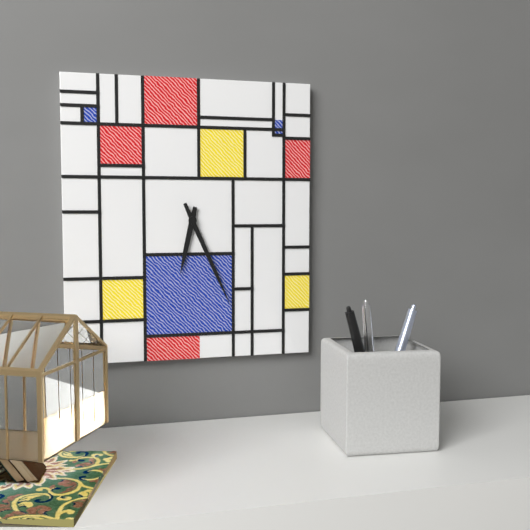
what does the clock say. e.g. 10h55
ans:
6h26
